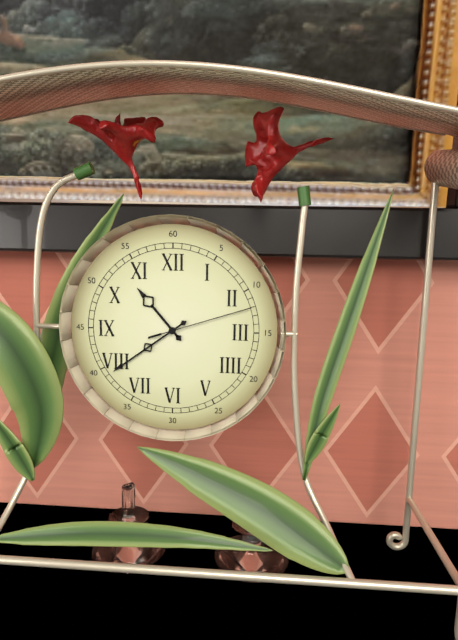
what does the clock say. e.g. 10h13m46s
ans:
10h39m12s
